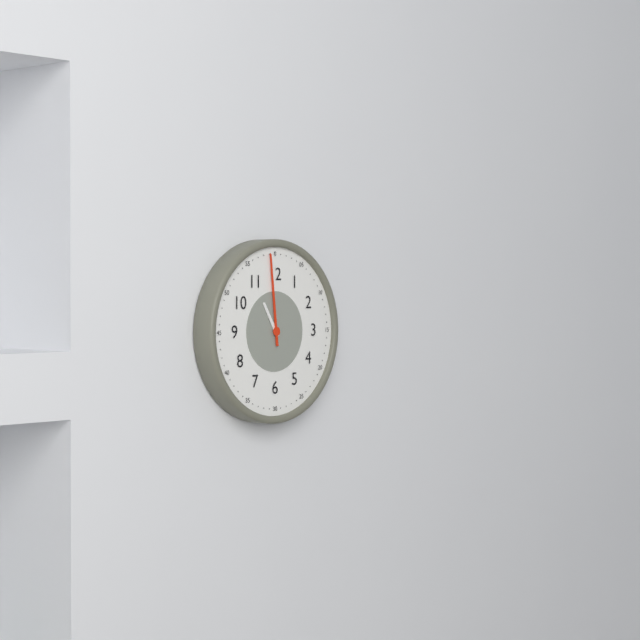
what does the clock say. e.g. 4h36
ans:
10h59
